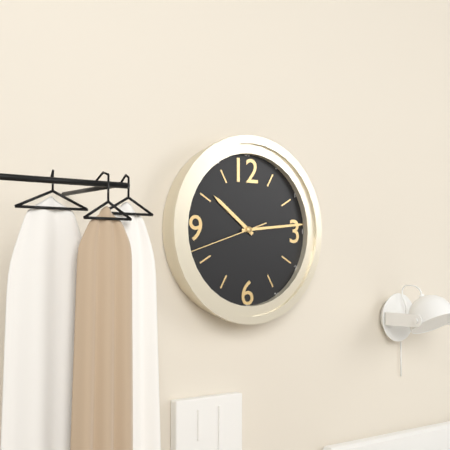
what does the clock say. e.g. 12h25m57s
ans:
10h14m42s
